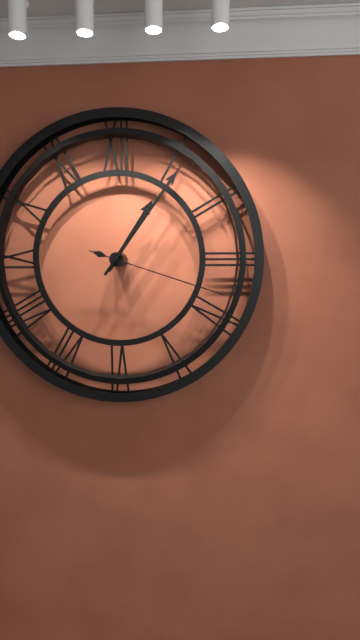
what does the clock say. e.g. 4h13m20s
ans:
1h06m18s
